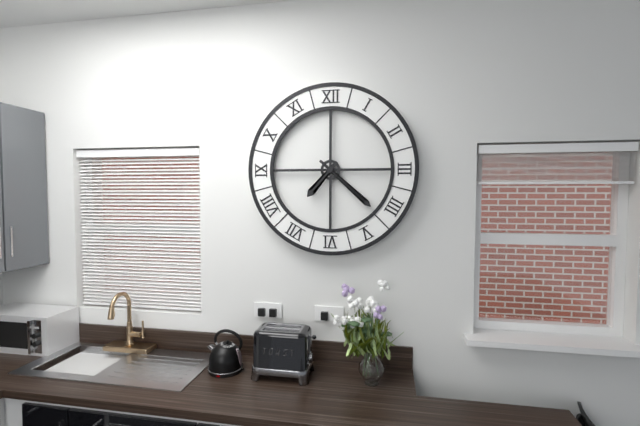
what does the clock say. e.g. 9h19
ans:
7h22
